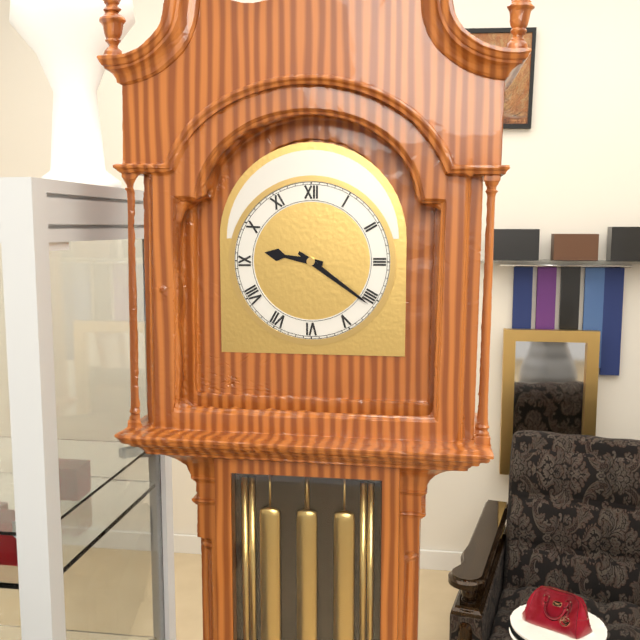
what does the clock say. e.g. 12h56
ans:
9h21
